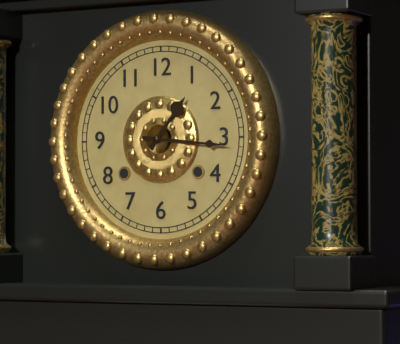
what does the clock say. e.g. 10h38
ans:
1h16
